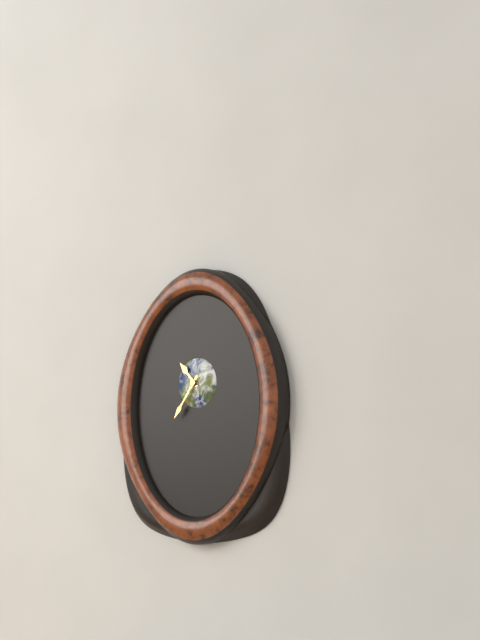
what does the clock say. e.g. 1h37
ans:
10h36
